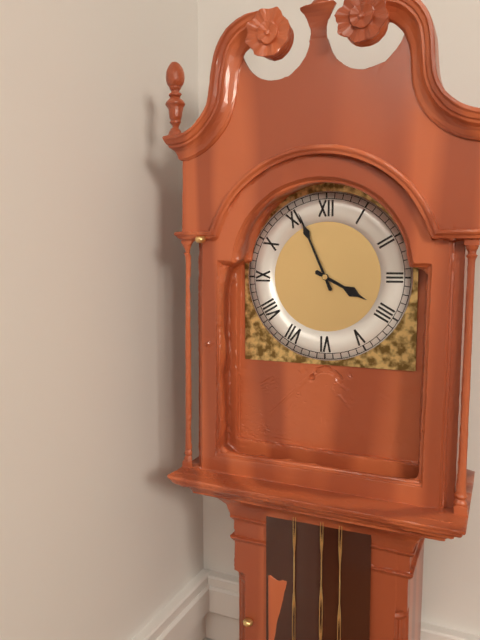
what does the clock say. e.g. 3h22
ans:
3h56
